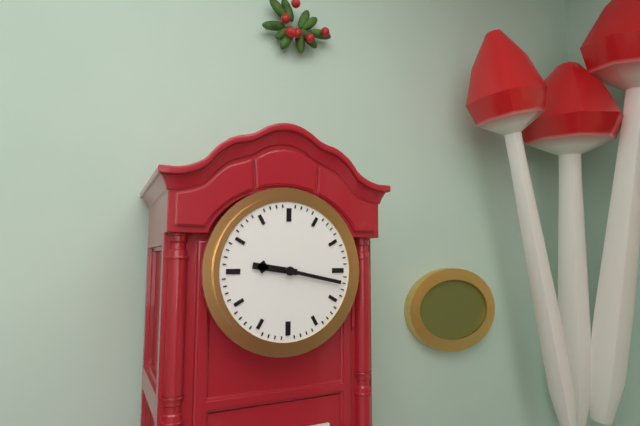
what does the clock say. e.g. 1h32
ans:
9h17
